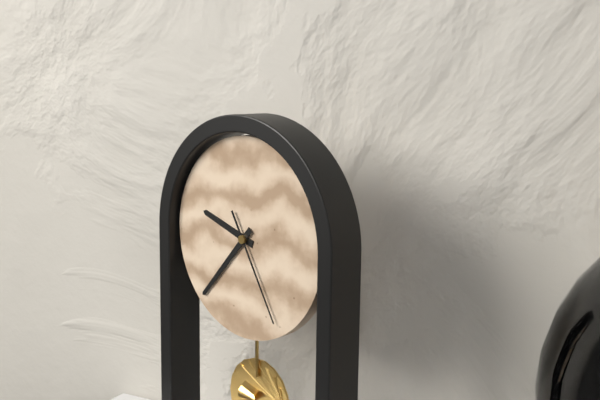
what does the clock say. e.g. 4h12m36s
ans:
9h37m25s
